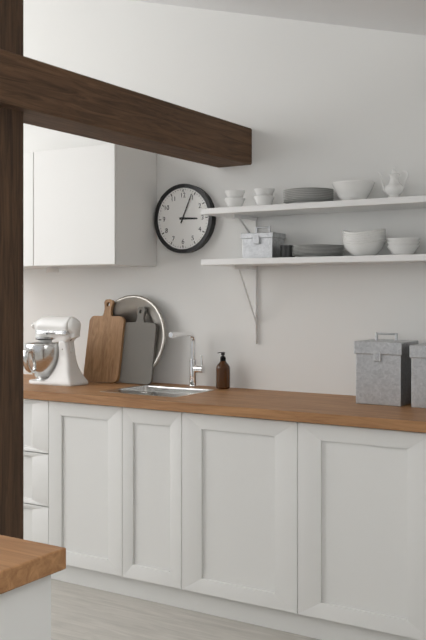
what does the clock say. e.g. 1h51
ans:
3h04
